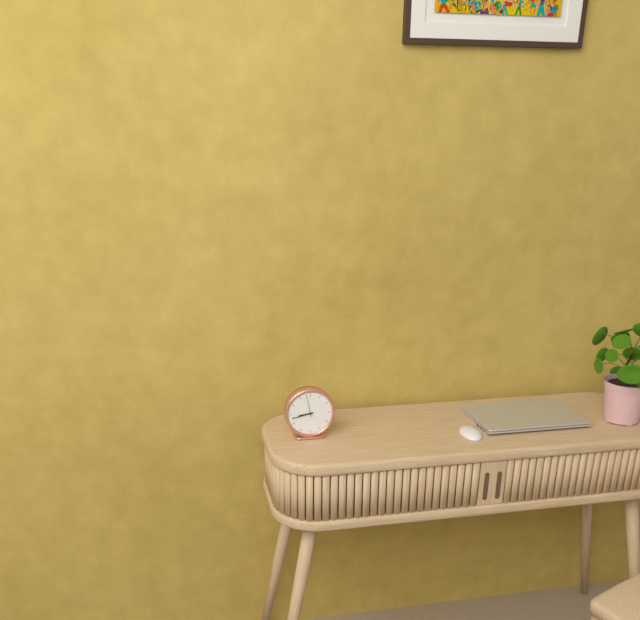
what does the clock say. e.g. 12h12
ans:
8h43
